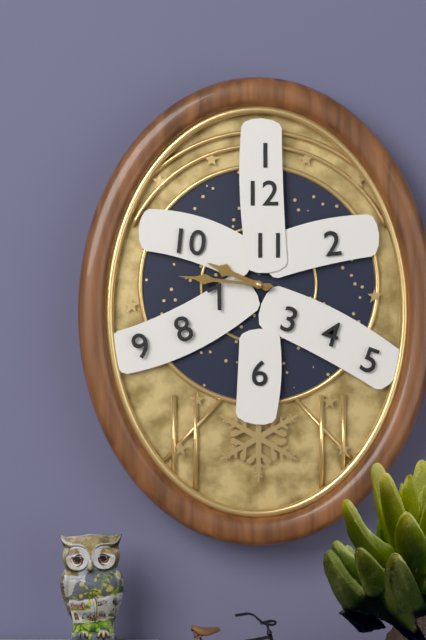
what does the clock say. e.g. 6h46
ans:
9h46
